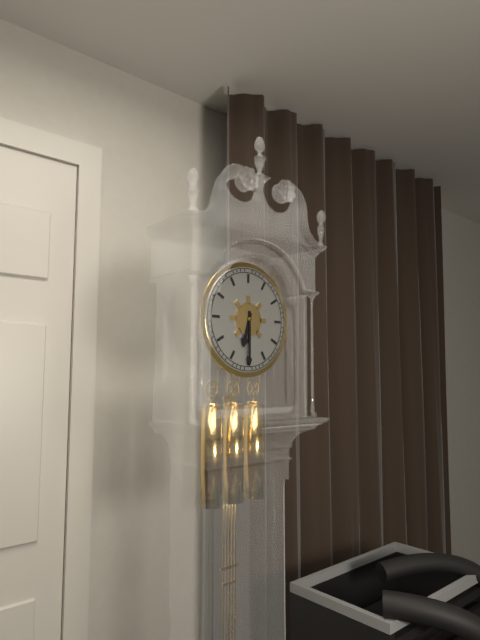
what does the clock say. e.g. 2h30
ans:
6h30
